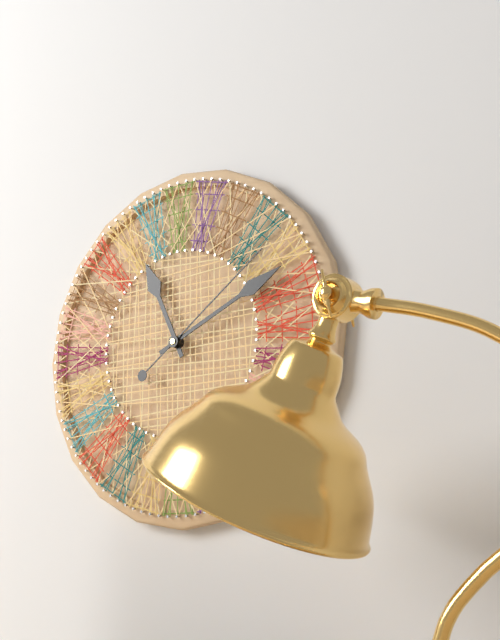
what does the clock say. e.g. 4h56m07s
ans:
11h11m09s
